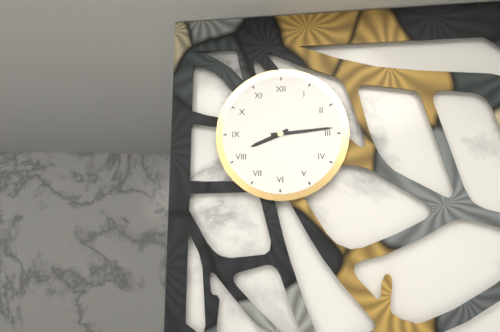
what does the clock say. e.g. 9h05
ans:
8h14
